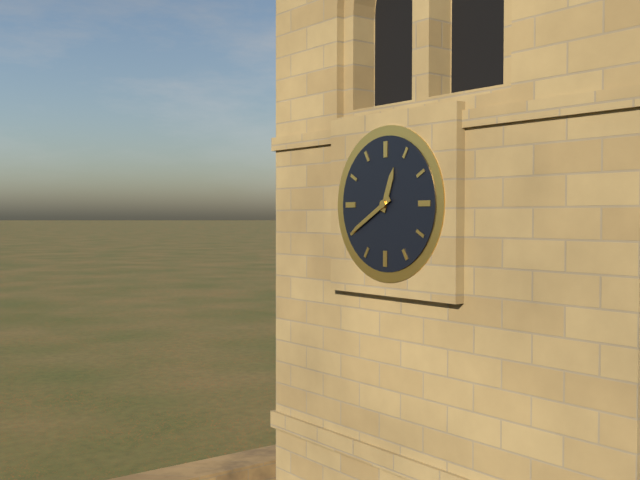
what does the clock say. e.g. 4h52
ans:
12h40
